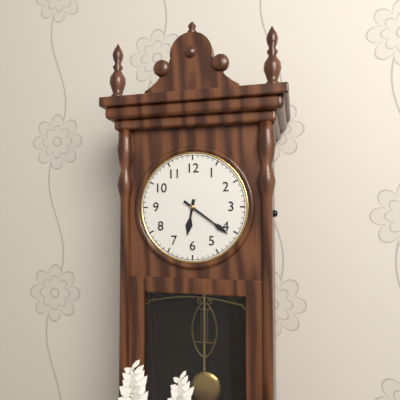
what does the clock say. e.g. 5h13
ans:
6h21
